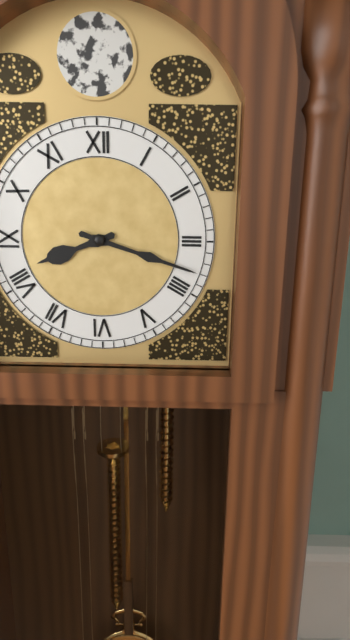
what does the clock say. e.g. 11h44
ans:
8h18
